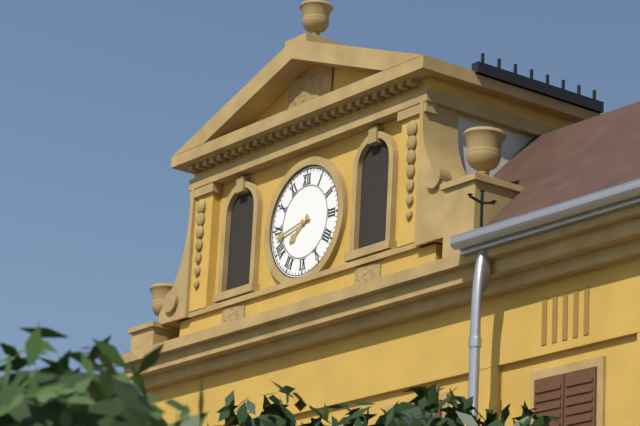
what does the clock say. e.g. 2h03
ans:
7h43
